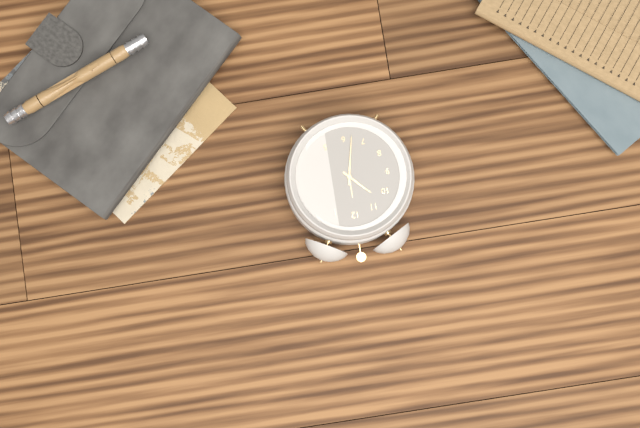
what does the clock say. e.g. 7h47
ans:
10h32
